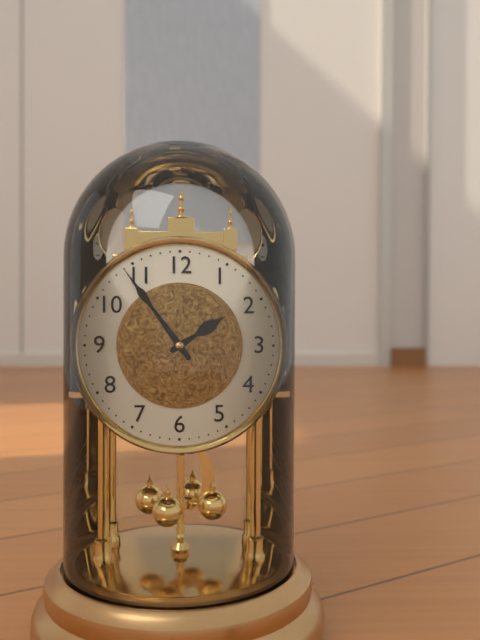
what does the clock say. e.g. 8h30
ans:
1h54
